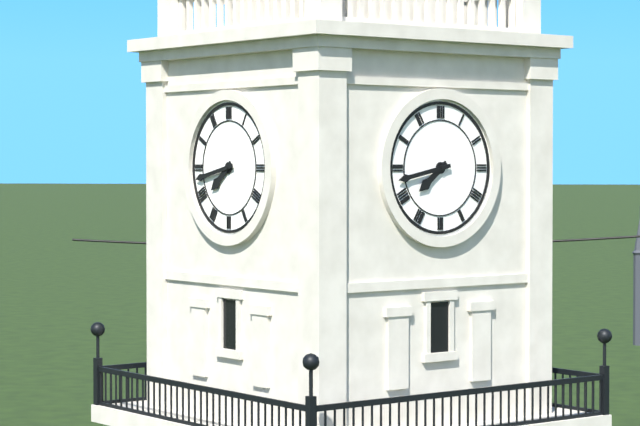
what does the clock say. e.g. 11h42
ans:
7h43
